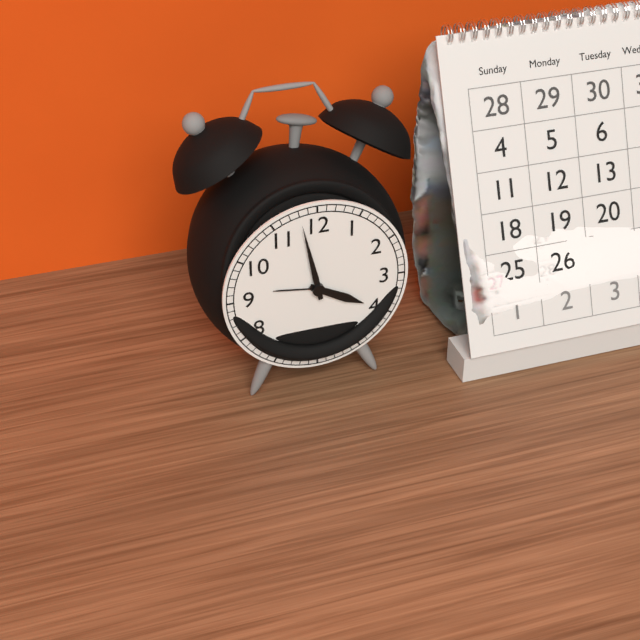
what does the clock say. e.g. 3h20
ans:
3h58
